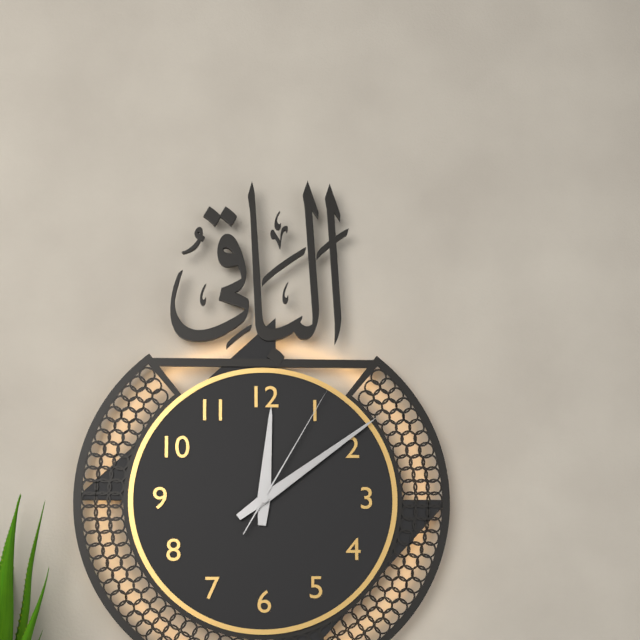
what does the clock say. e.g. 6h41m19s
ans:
12h09m05s
